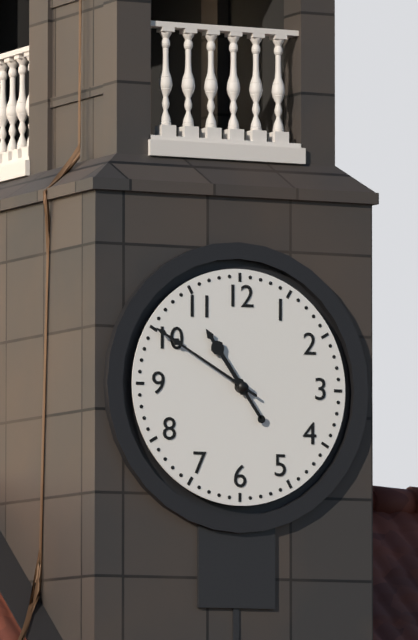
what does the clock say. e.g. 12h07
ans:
10h50
